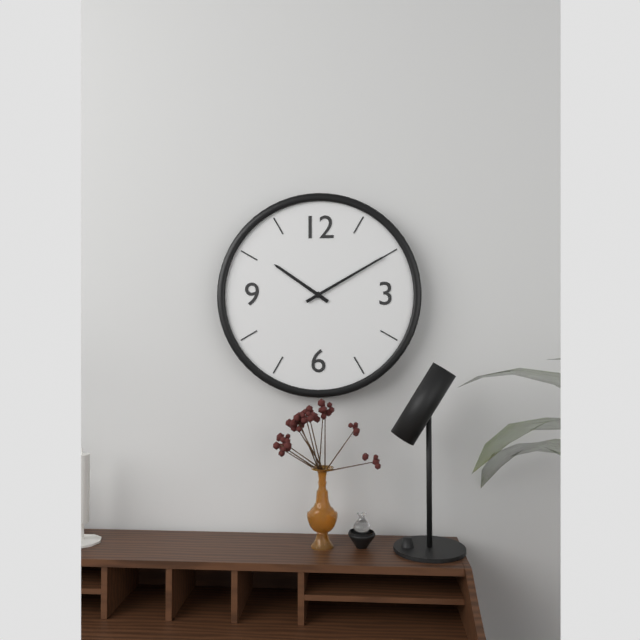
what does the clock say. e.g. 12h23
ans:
10h10
